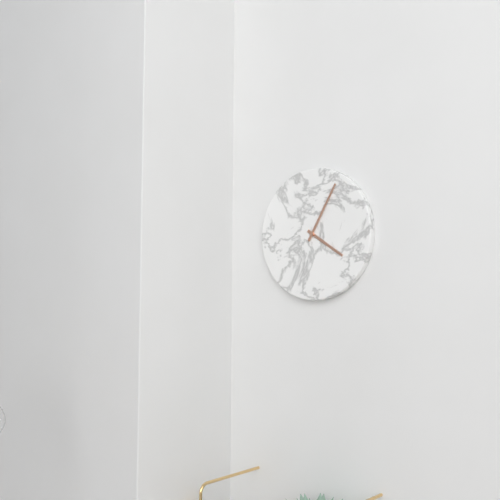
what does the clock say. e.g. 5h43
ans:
4h05
